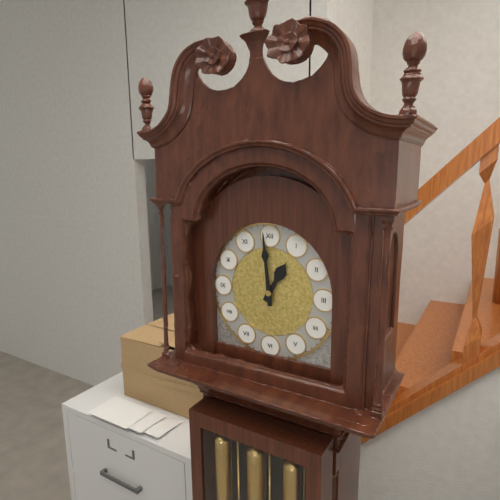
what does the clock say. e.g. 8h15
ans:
12h59
